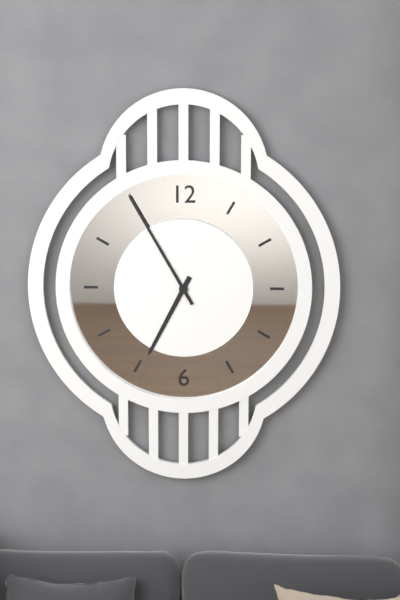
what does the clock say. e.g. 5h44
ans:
6h55
